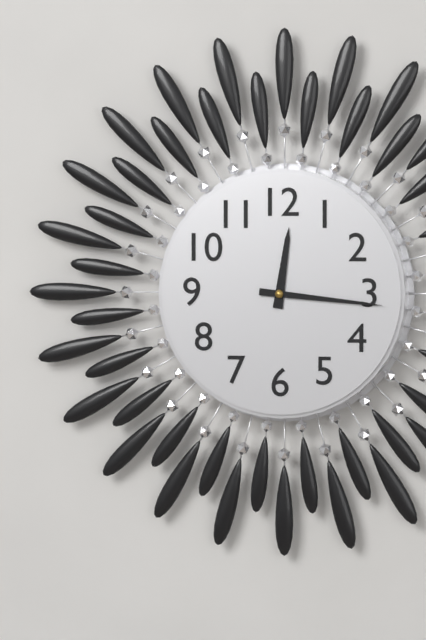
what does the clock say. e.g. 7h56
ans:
12h16
